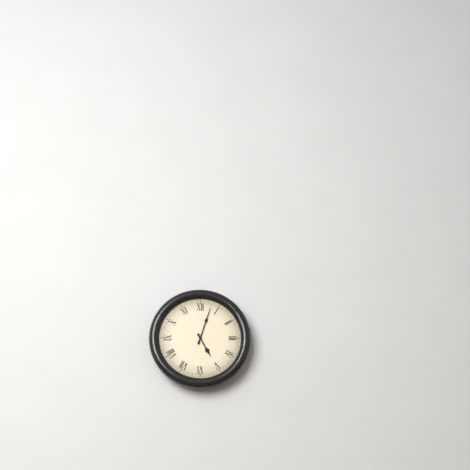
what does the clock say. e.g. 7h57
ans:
5h03
